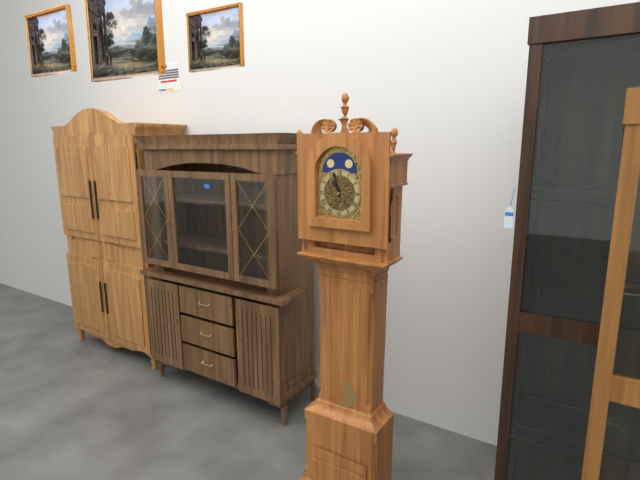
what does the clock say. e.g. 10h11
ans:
10h57
